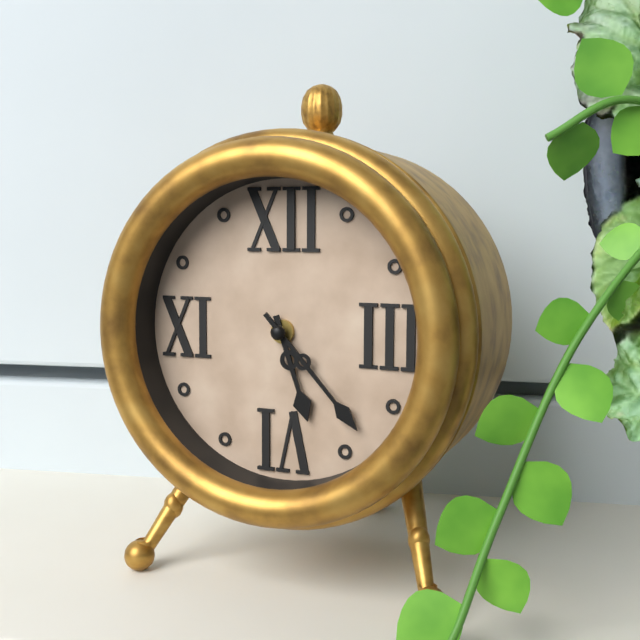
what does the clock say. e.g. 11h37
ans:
5h23
